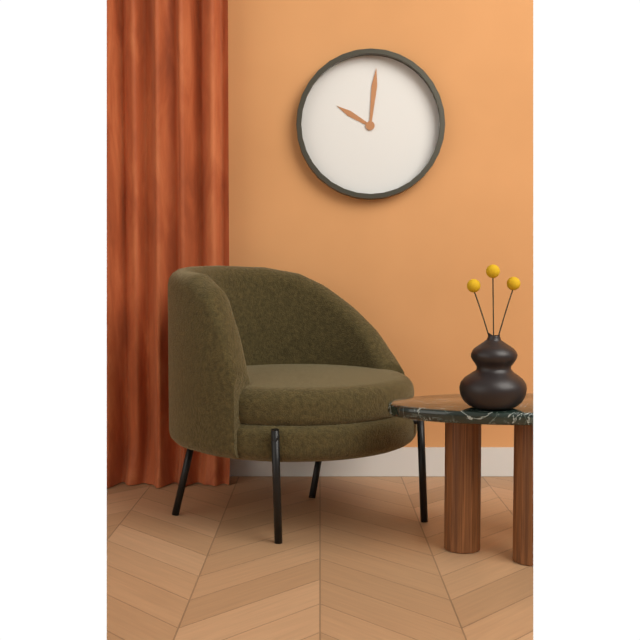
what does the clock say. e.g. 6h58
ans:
10h01
